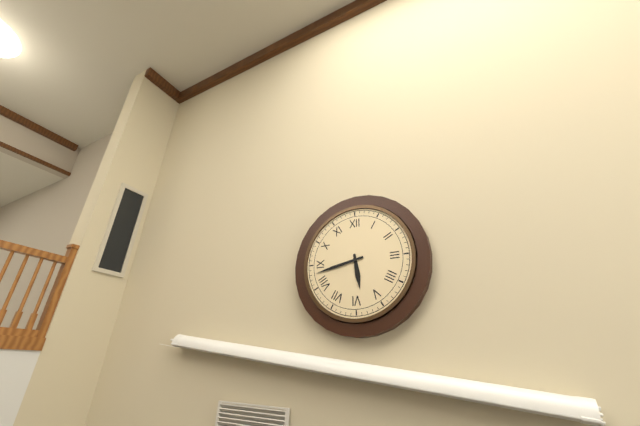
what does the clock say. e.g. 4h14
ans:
5h43
